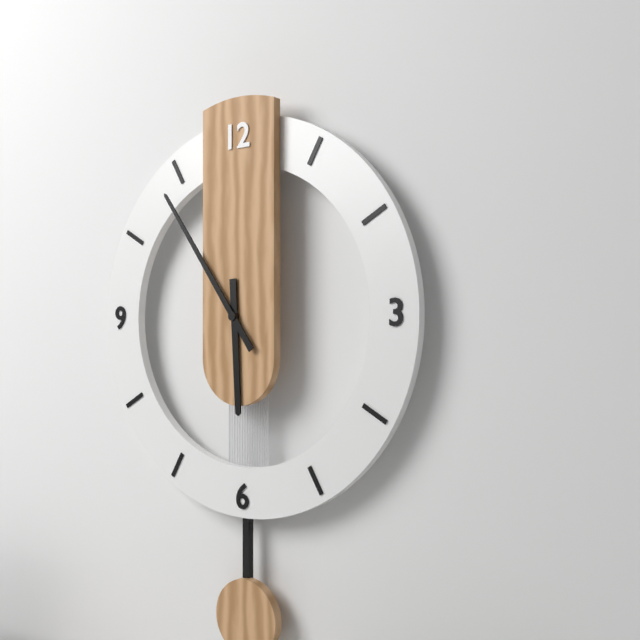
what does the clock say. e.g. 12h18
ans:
5h54
